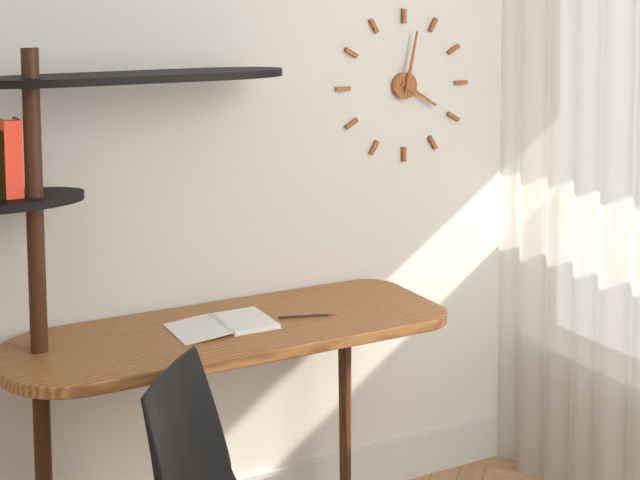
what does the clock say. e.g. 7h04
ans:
4h02
